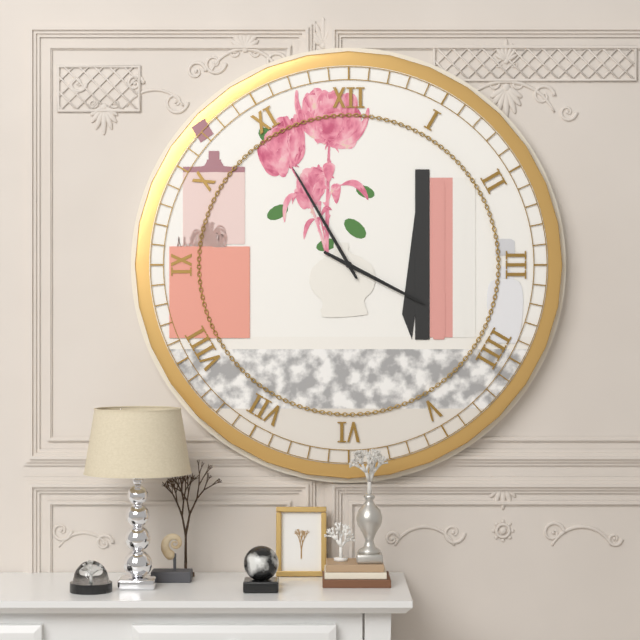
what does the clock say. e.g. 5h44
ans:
3h55
